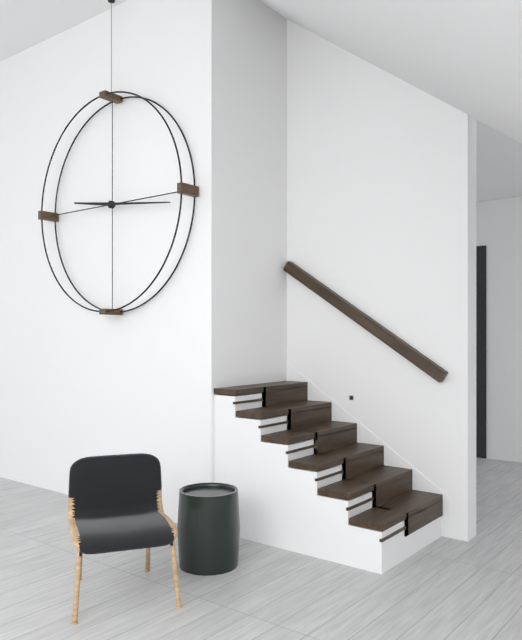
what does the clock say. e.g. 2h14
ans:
9h16
